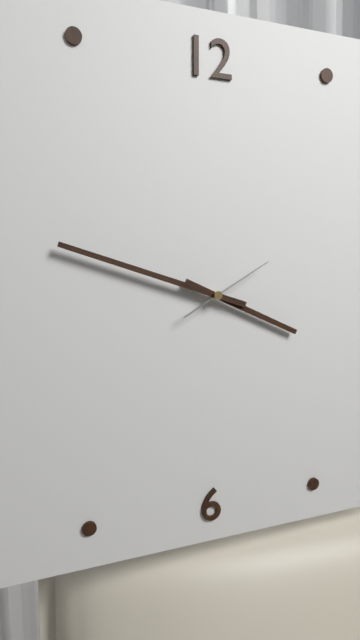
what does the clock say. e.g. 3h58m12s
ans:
3h48m10s
